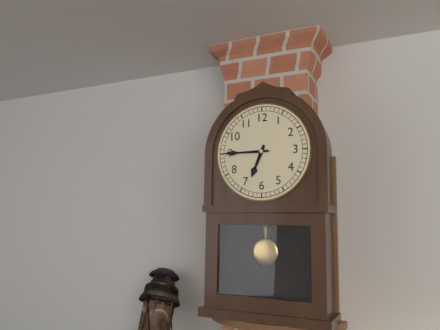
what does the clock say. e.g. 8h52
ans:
6h45
